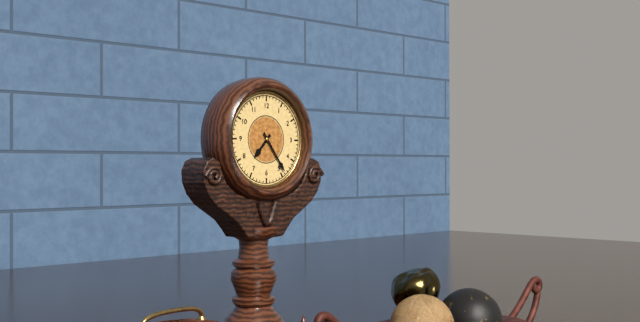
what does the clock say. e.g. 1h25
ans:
7h24
